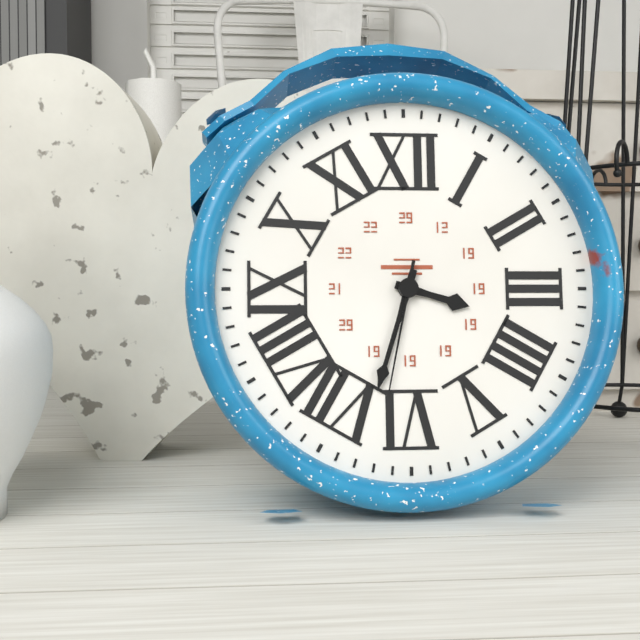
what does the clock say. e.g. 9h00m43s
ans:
3h33m32s
